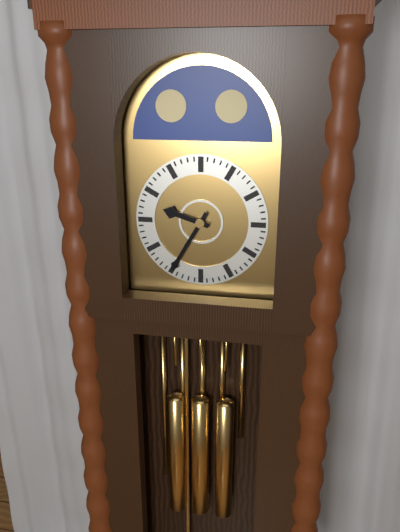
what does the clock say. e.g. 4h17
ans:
9h35
